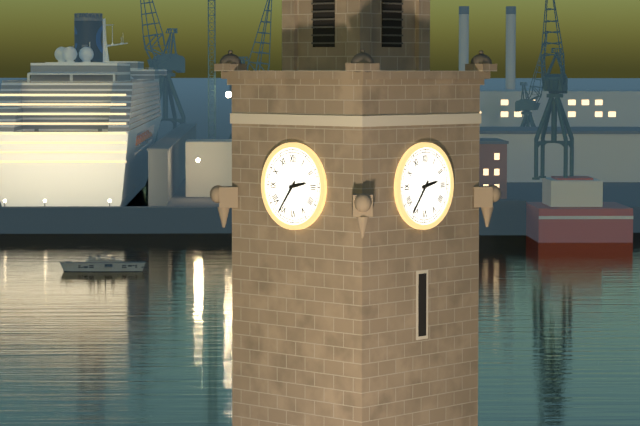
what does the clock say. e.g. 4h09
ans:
2h36
